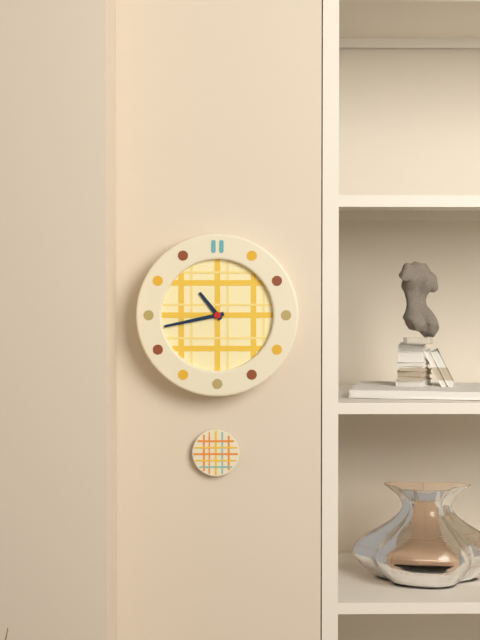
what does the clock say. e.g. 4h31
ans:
10h43
